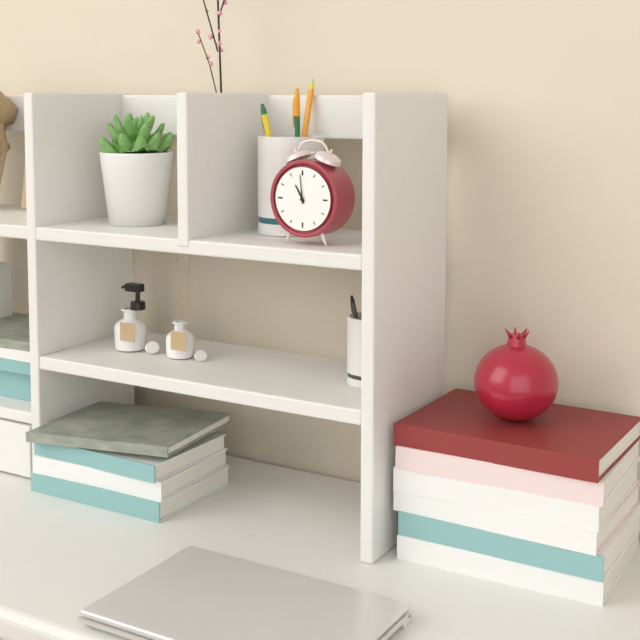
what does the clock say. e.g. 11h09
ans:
10h59
